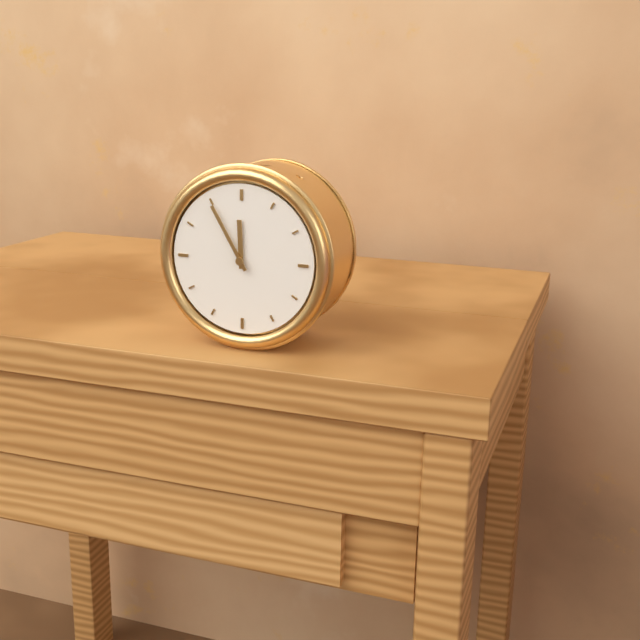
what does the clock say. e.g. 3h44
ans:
11h55
